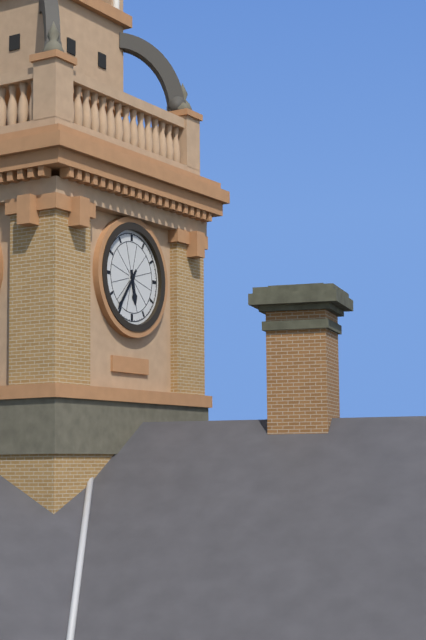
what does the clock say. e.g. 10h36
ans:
5h36
